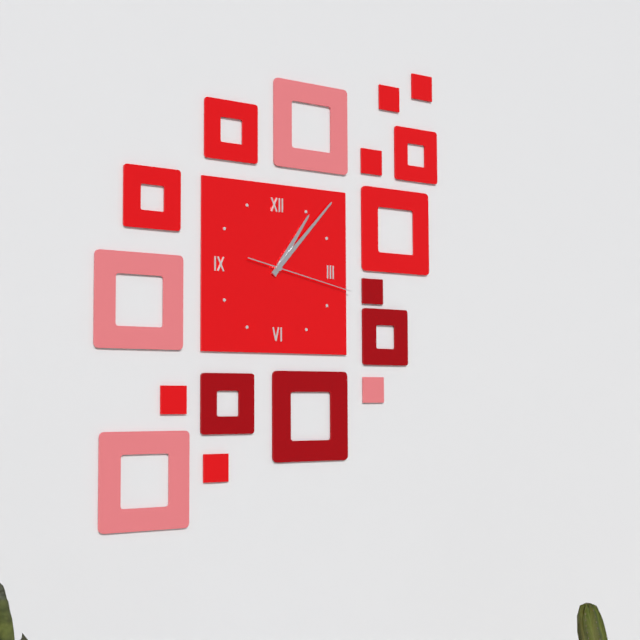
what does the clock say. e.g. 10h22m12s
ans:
1h07m17s
